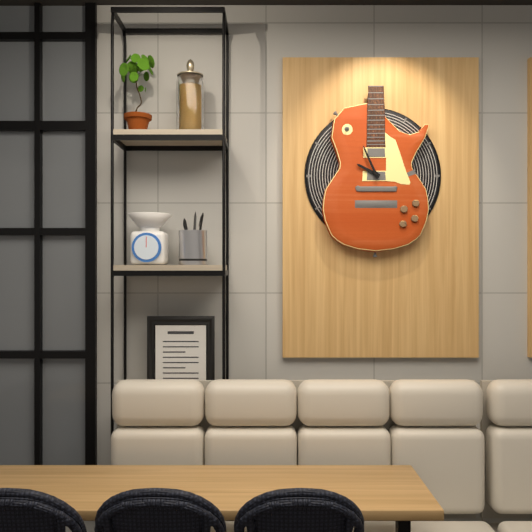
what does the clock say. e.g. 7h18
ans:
9h56
